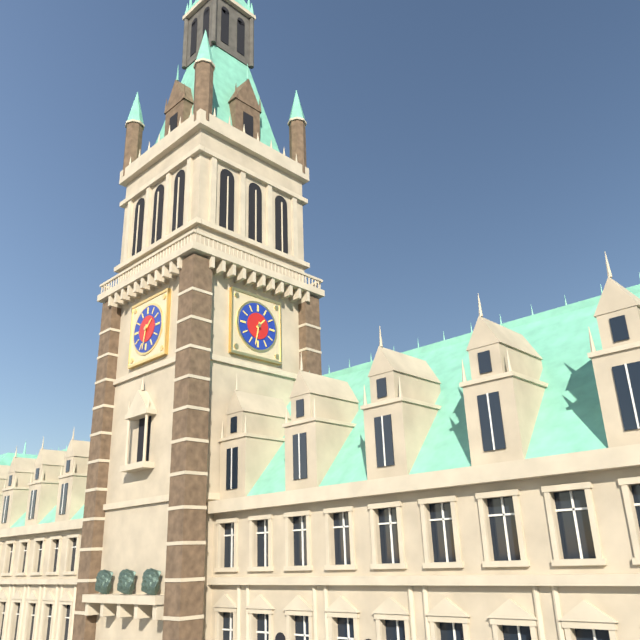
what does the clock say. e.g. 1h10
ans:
1h32
